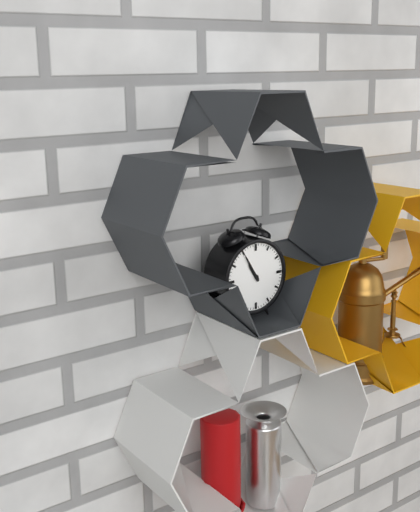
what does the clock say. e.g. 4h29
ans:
10h55
